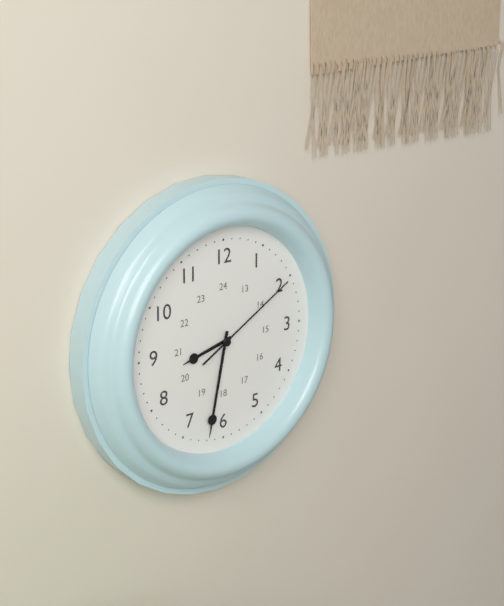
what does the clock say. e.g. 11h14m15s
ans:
8h32m10s
